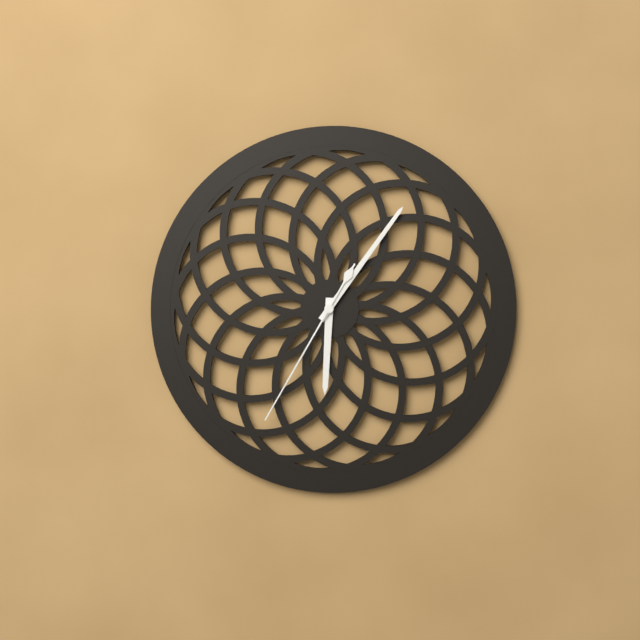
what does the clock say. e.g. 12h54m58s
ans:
6h06m35s
